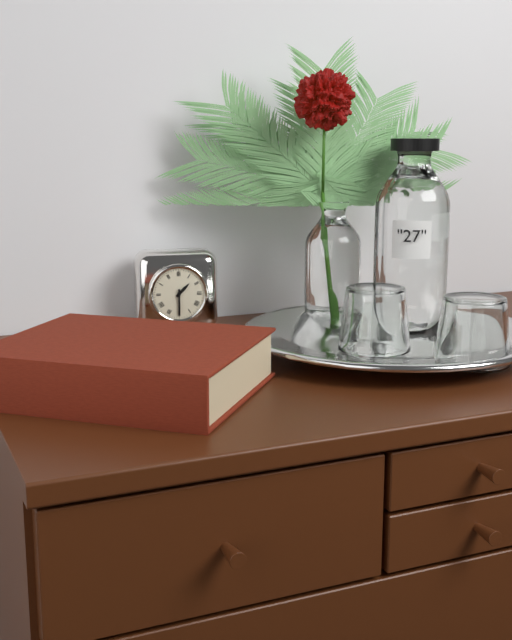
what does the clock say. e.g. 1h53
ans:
1h30
